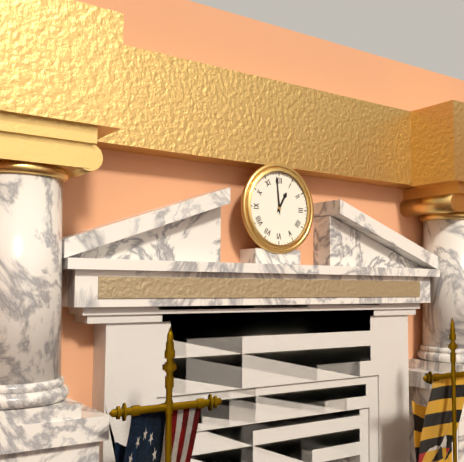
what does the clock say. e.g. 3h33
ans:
12h59
